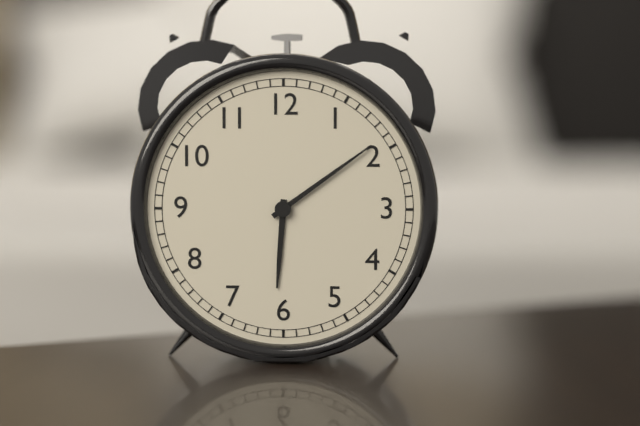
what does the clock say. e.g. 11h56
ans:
6h09
